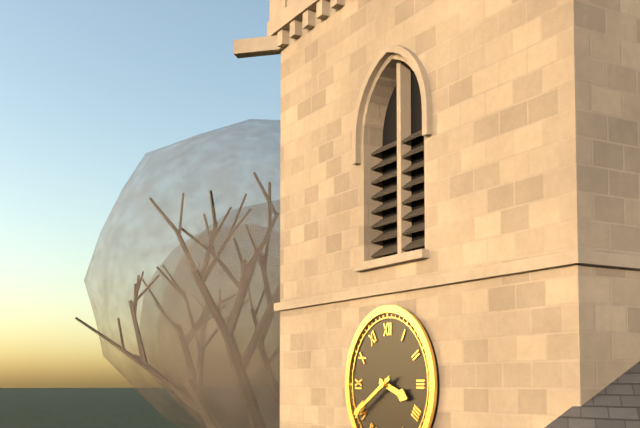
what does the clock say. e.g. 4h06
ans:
3h40
